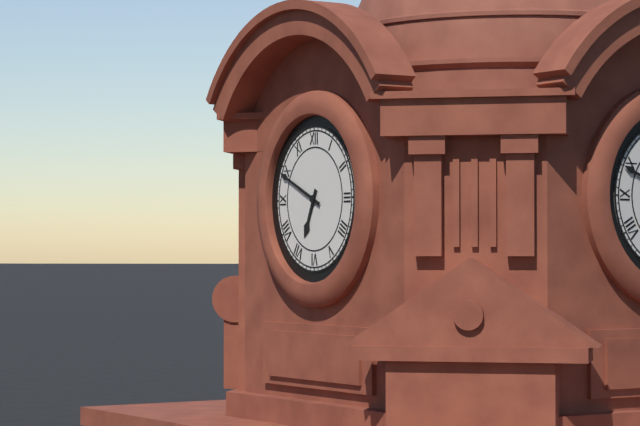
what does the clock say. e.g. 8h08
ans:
6h49
